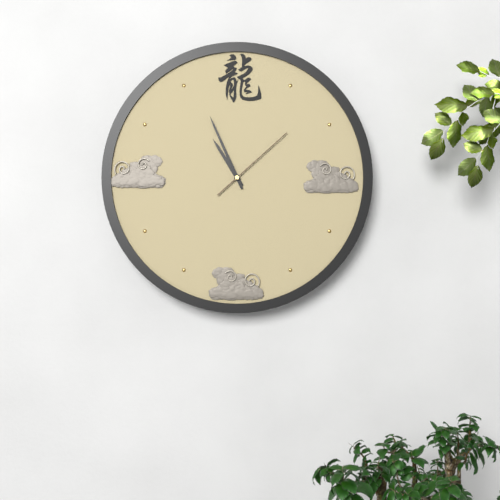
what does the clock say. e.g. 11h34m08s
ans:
10h56m08s
